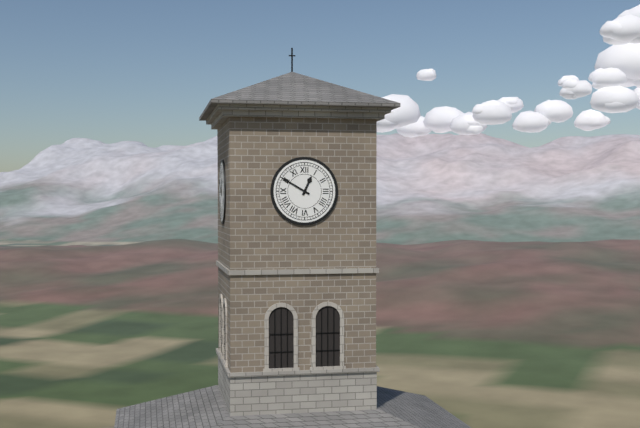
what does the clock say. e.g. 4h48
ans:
12h50
